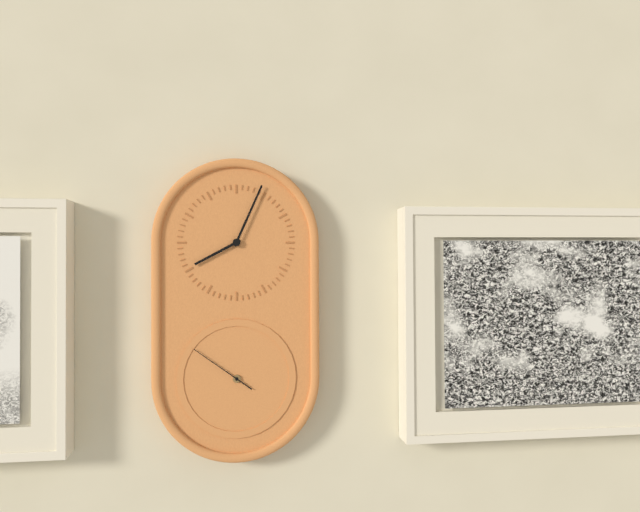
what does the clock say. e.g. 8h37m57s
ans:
8h04m51s
